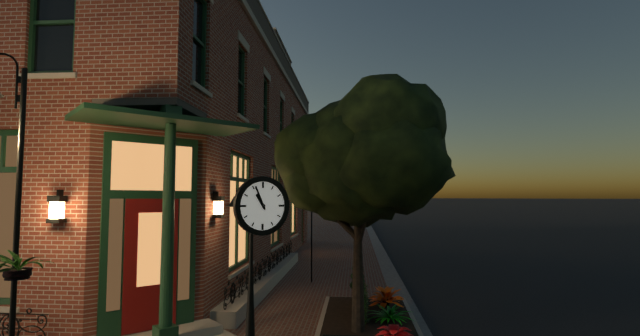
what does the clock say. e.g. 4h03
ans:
10h56
